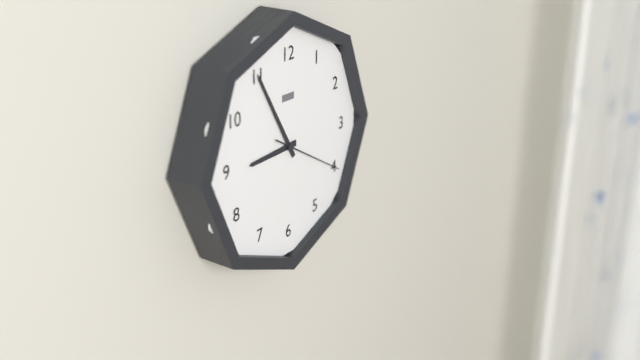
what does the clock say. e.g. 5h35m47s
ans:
8h55m20s
